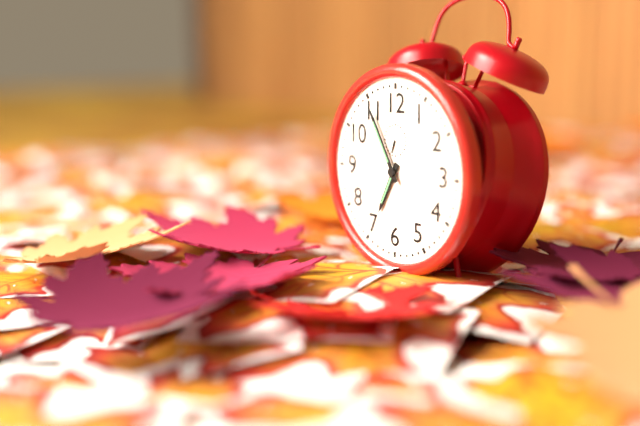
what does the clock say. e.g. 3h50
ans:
6h55
